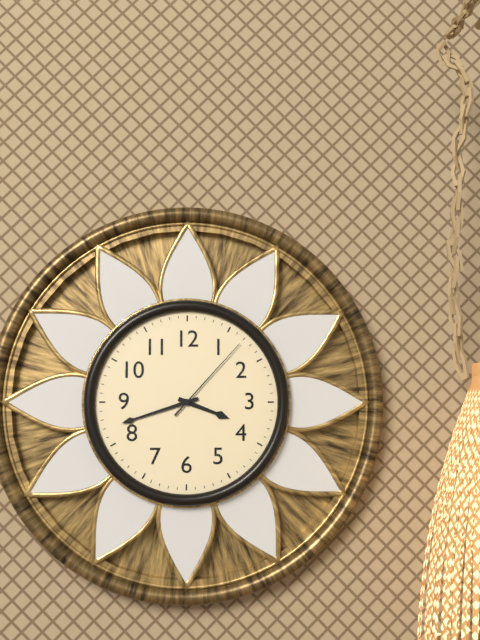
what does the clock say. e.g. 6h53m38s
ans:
3h42m07s
